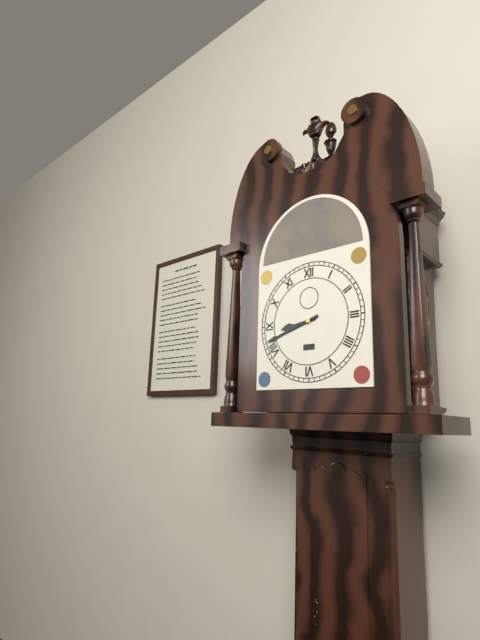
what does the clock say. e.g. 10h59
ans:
8h42
